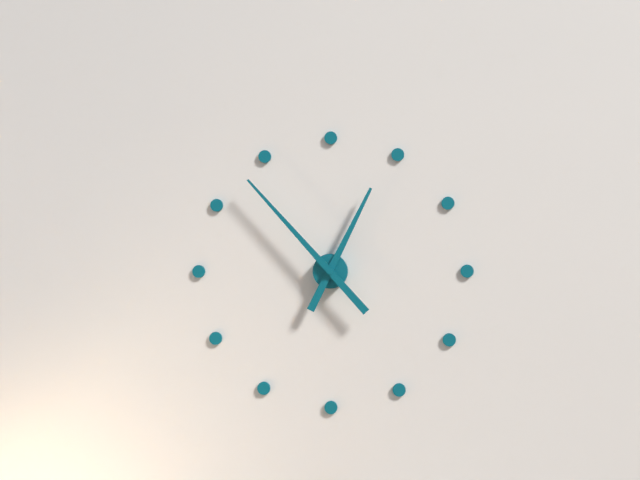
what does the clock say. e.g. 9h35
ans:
12h53
